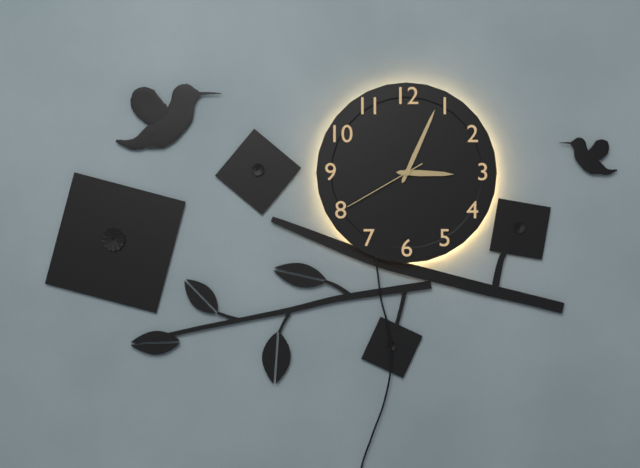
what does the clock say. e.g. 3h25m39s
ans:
3h04m40s
